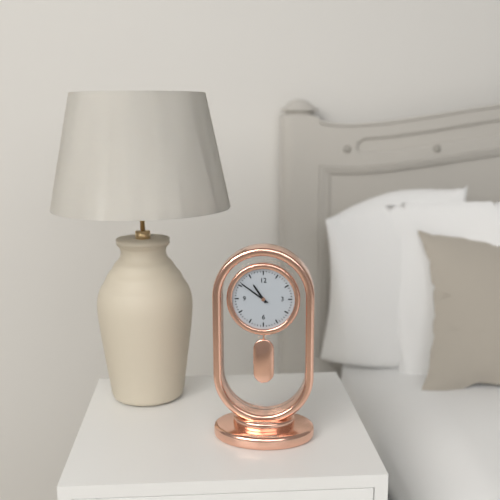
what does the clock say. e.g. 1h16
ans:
10h51
